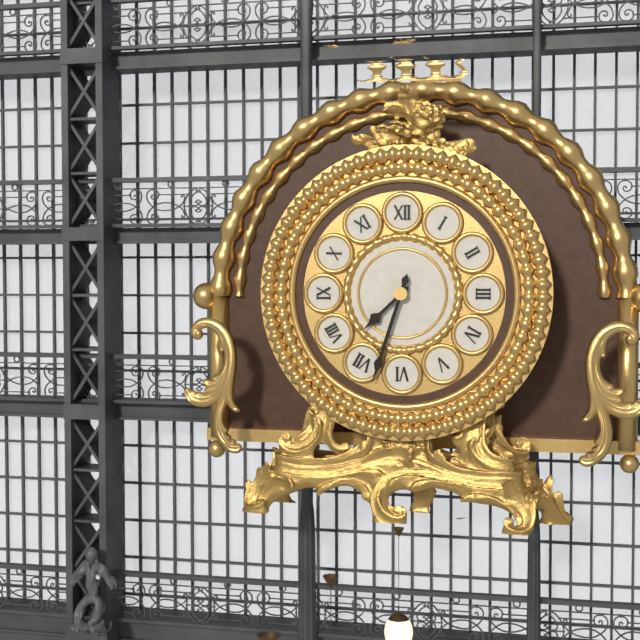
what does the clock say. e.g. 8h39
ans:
7h33
